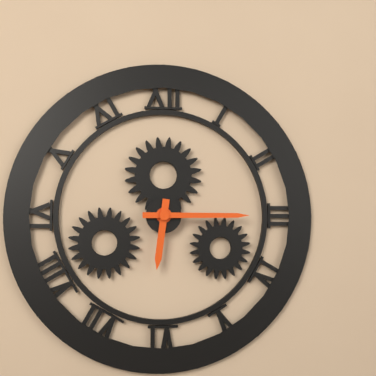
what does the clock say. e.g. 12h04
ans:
6h15
